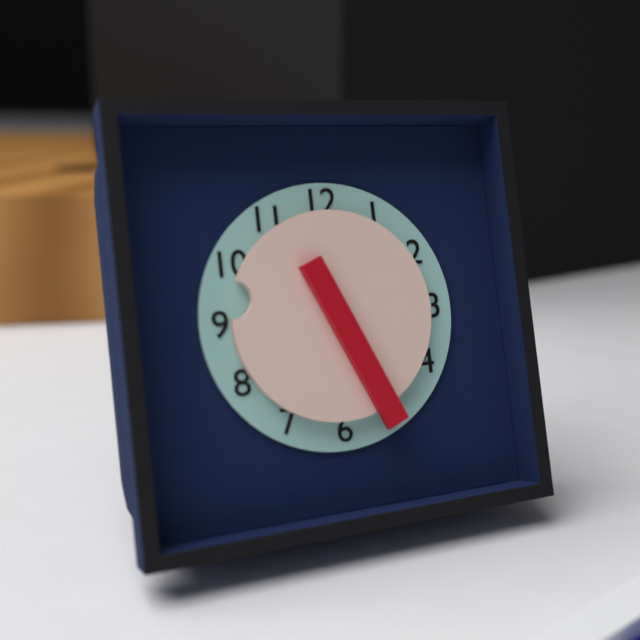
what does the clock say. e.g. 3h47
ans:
9h26
